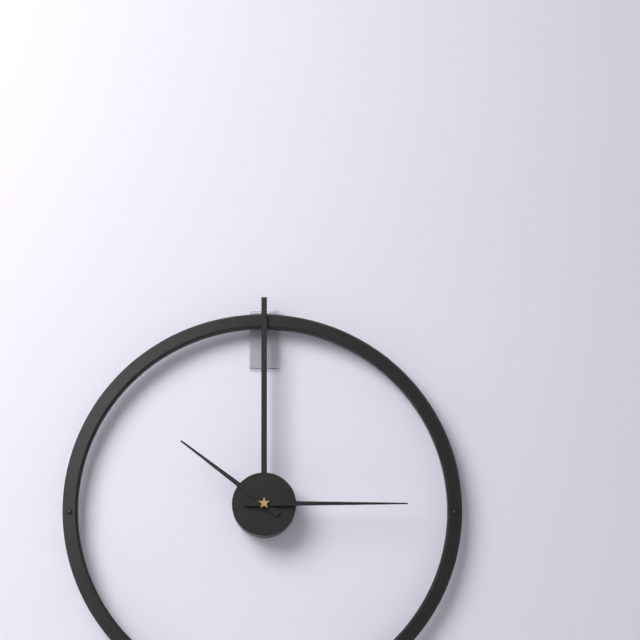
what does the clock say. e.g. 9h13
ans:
10h15
